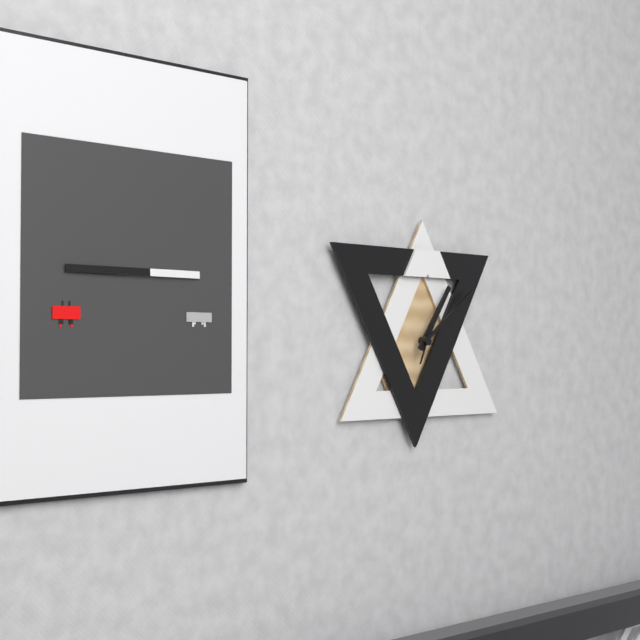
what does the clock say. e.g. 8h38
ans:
1h09
